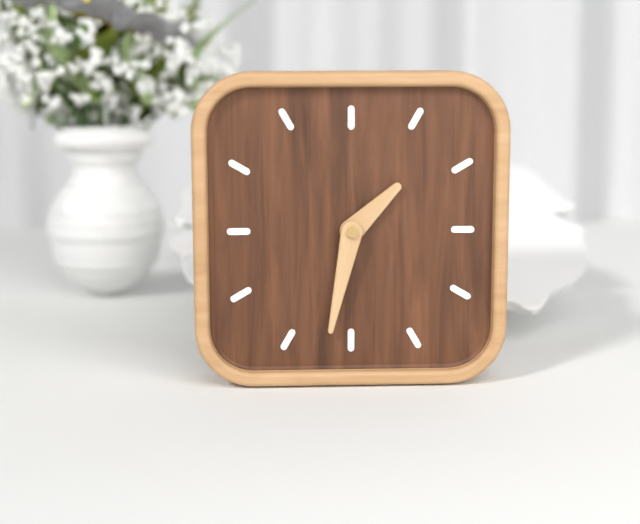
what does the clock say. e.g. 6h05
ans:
1h32
